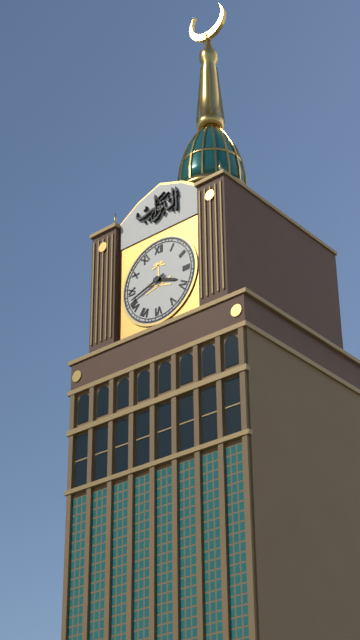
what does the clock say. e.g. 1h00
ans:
3h42
